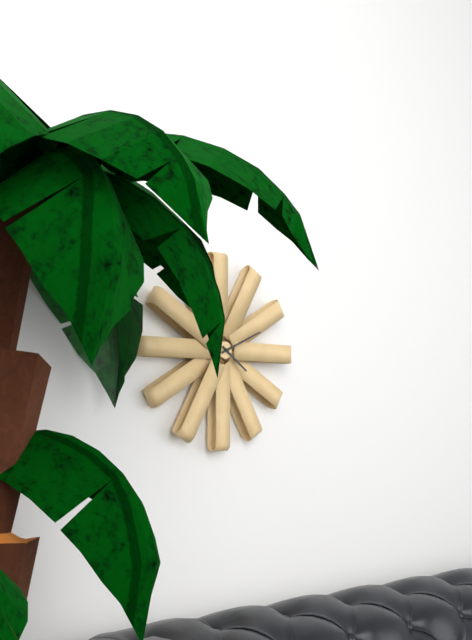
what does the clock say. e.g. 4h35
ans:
4h11
